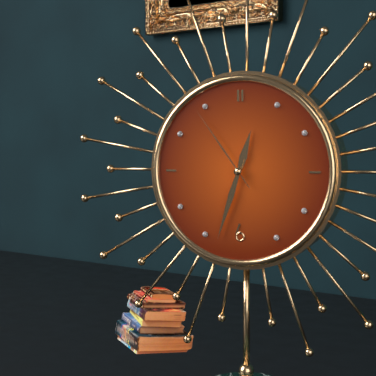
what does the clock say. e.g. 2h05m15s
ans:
12h33m54s
